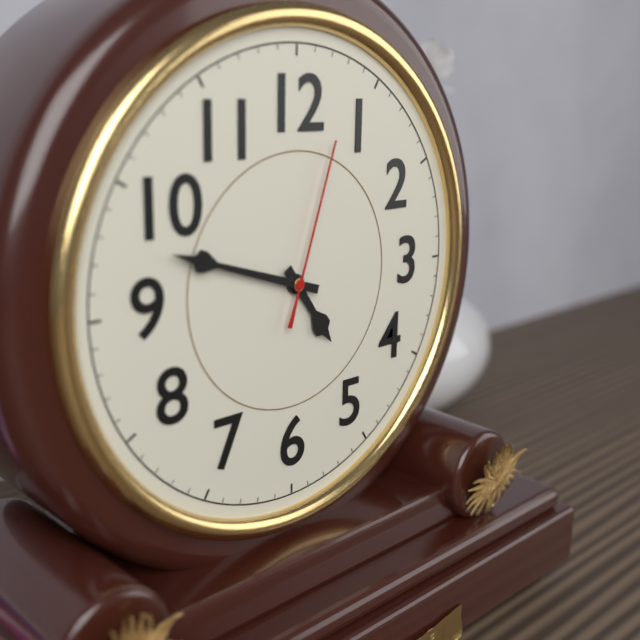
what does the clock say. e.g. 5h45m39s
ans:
4h48m03s
